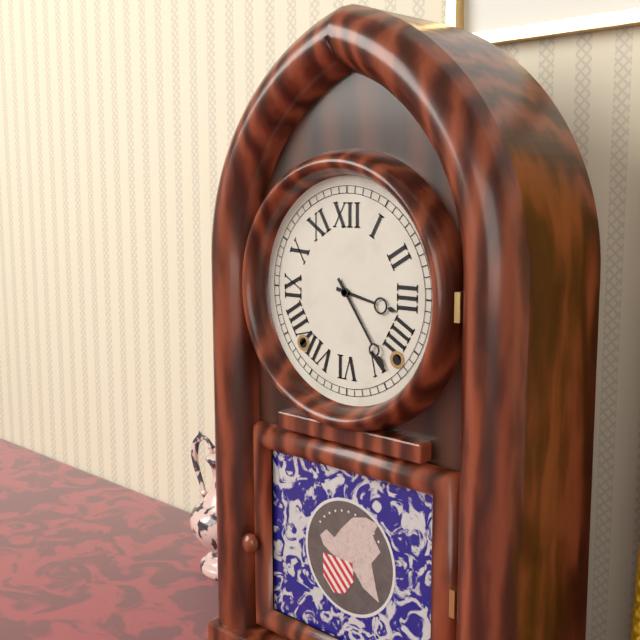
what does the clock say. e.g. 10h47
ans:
3h24
